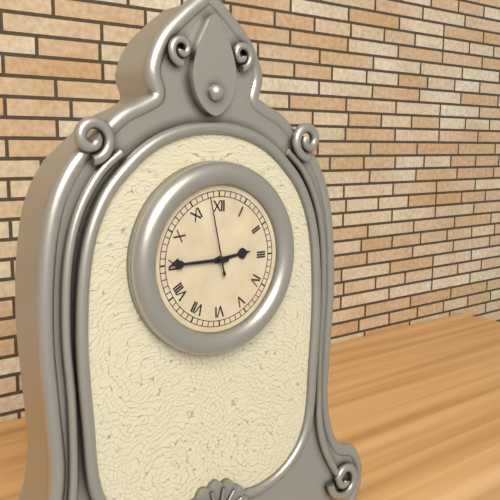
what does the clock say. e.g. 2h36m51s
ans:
2h45m58s
